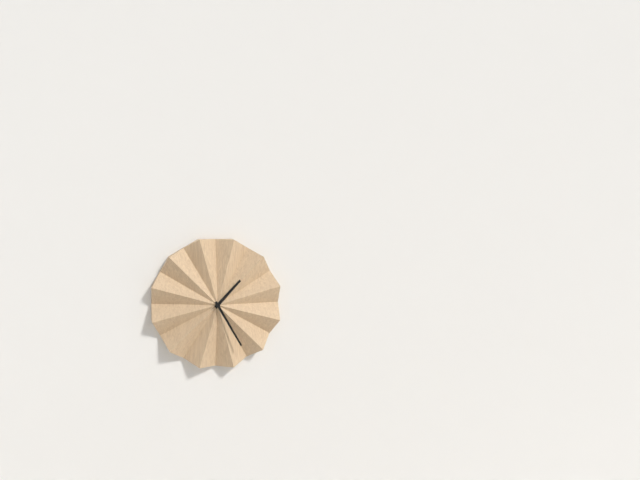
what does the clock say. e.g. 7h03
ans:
1h25
